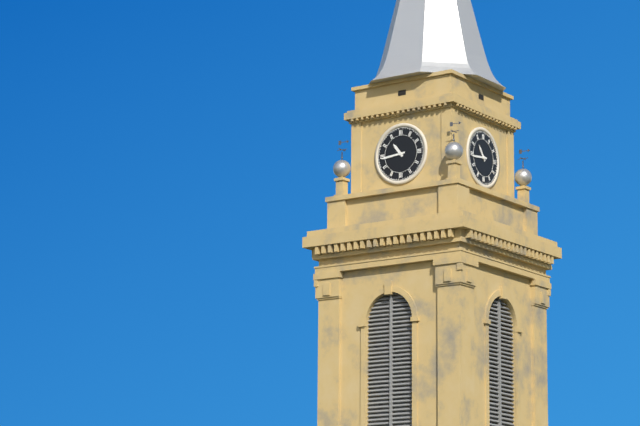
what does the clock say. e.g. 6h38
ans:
10h44
